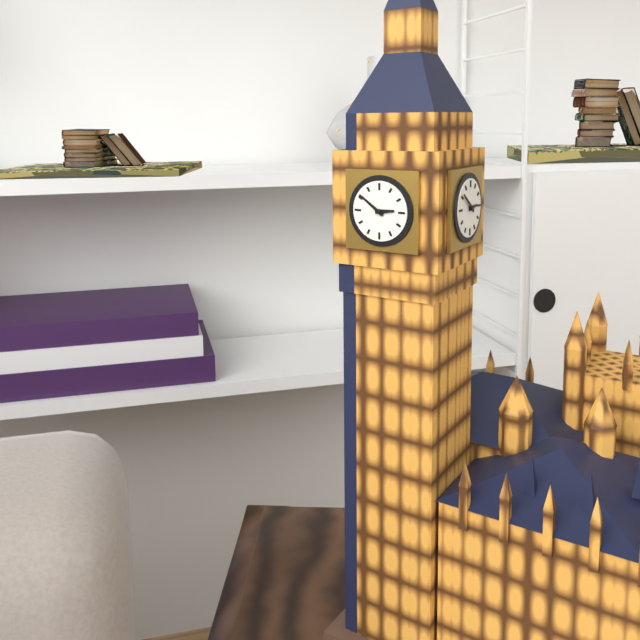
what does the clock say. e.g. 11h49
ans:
2h51
